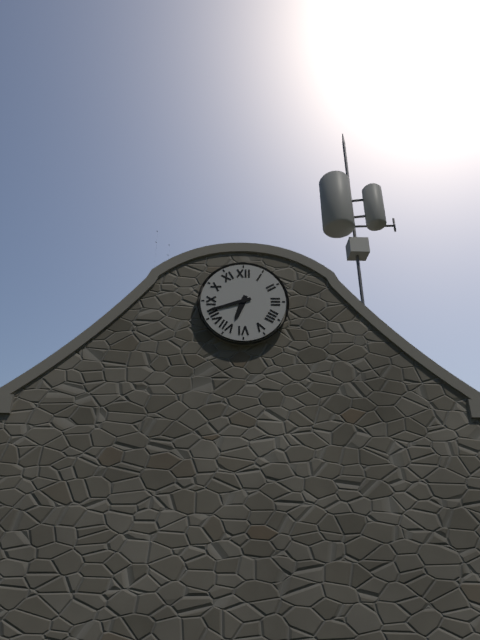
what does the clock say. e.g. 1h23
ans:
6h42
